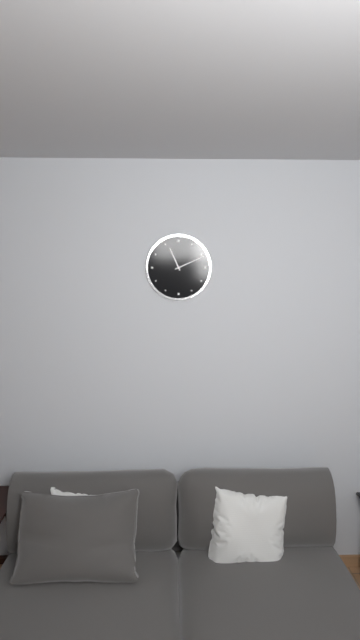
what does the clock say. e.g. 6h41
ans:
11h11
